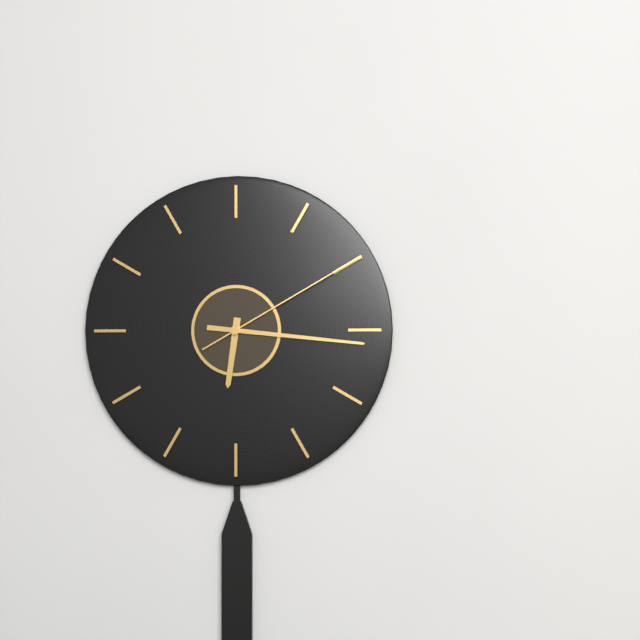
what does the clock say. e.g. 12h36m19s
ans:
6h16m10s
